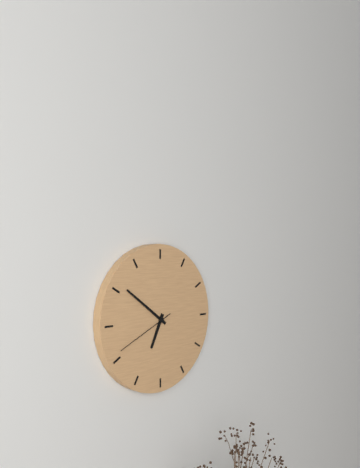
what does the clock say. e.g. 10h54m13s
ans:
6h51m41s
